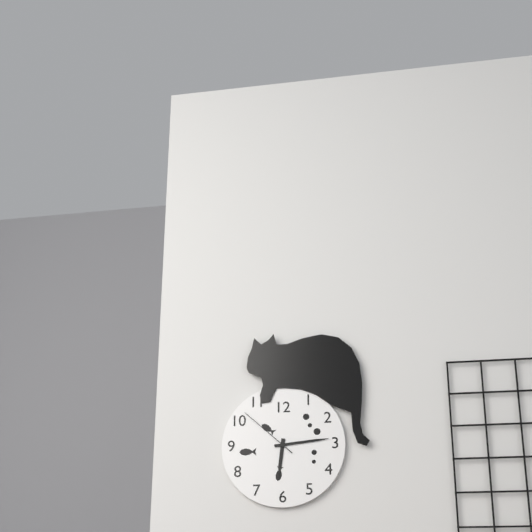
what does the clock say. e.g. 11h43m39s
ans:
6h14m52s
